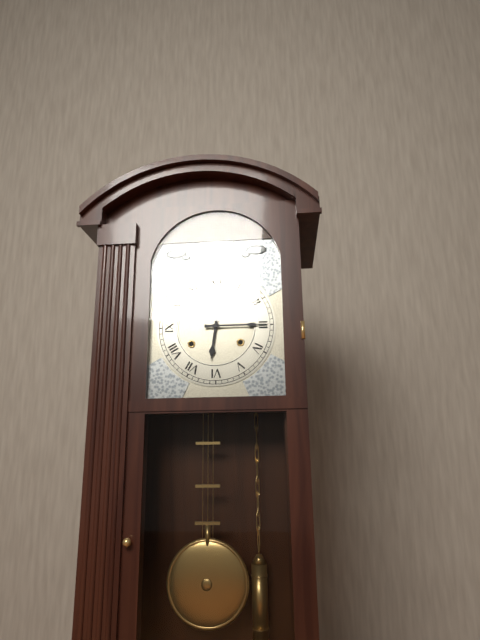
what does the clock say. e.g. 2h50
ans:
6h15
